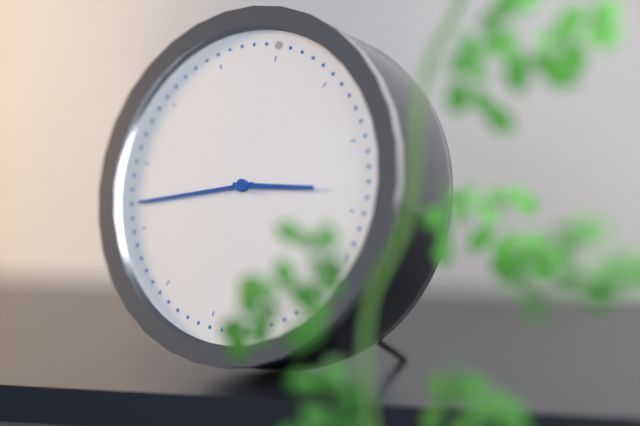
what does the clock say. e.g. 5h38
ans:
2h42
